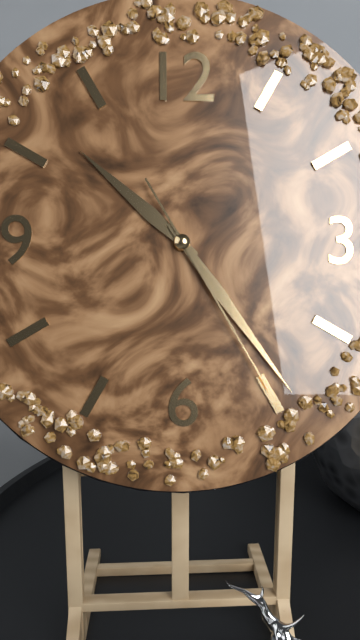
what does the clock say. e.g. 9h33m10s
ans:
10h24m25s
